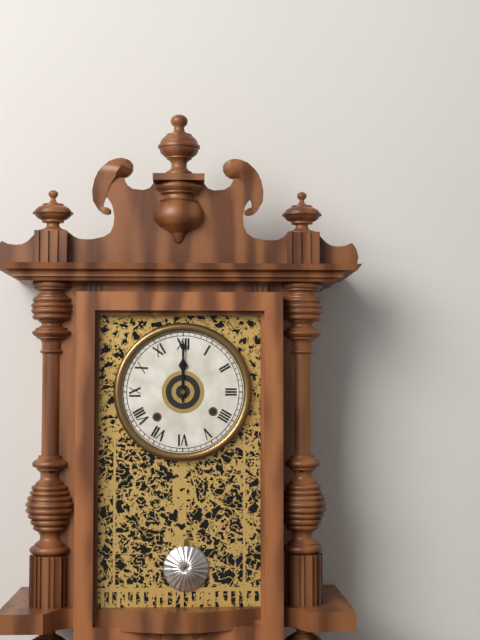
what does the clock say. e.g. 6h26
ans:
12h00
